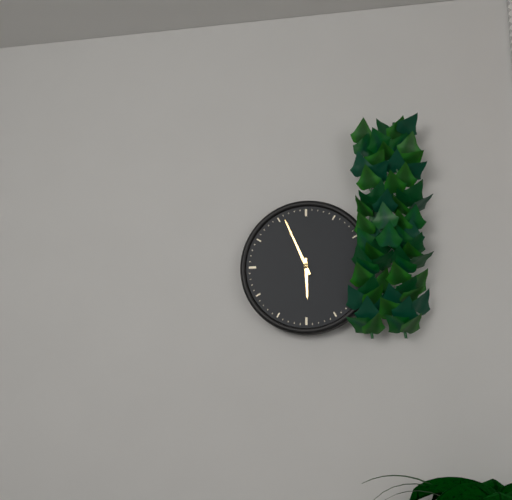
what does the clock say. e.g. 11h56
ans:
5h56
